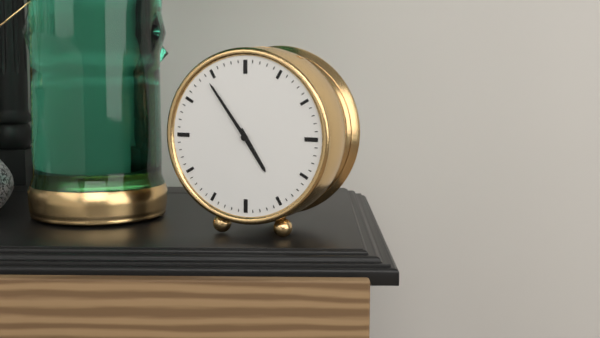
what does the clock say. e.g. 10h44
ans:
4h54
